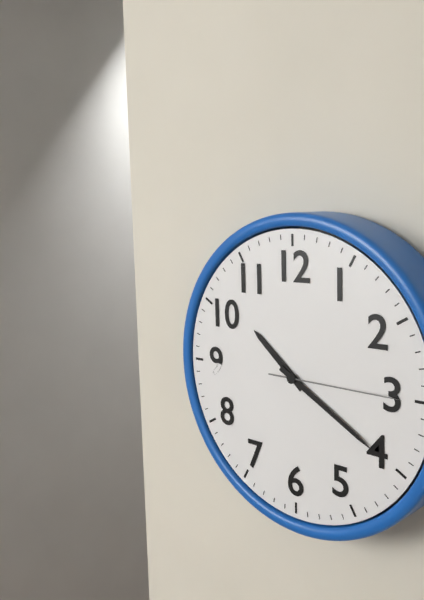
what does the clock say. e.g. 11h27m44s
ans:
10h20m15s
